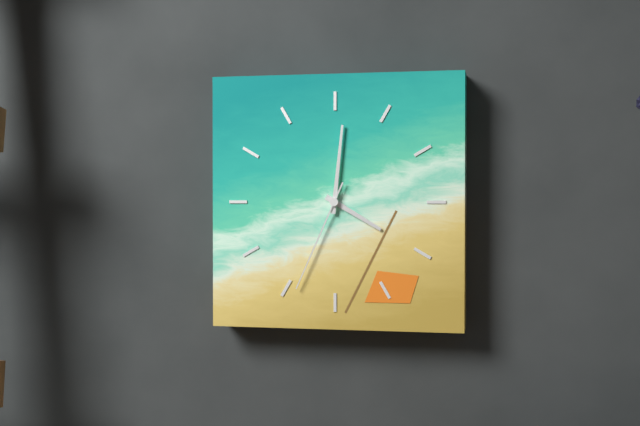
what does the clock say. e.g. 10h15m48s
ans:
4h01m34s
